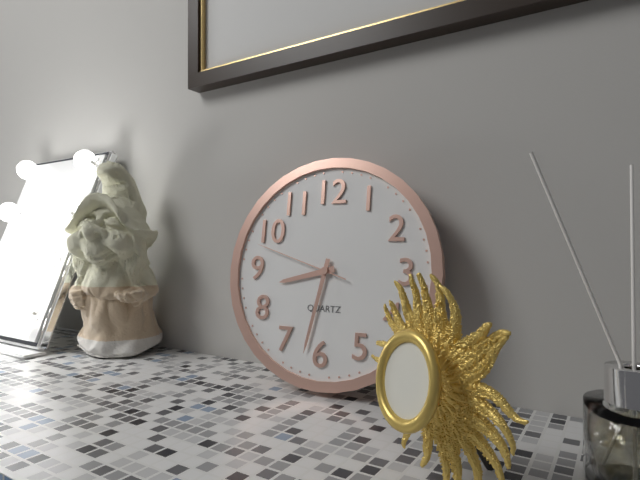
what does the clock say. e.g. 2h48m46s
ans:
8h32m48s
